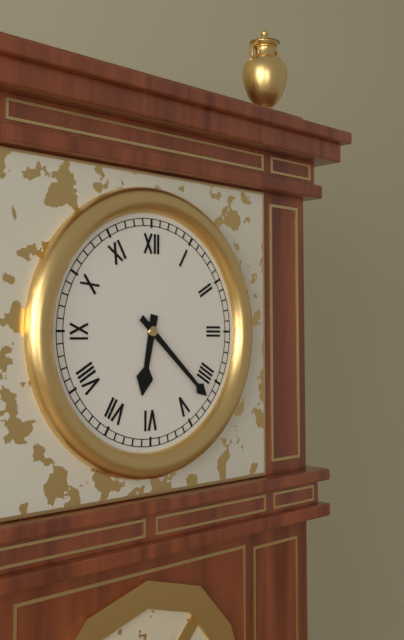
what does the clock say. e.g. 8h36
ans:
6h22
